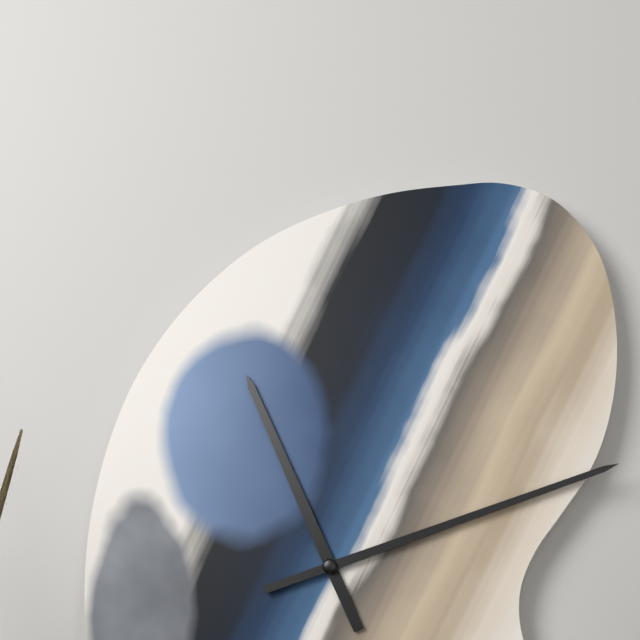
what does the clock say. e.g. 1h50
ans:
11h12
